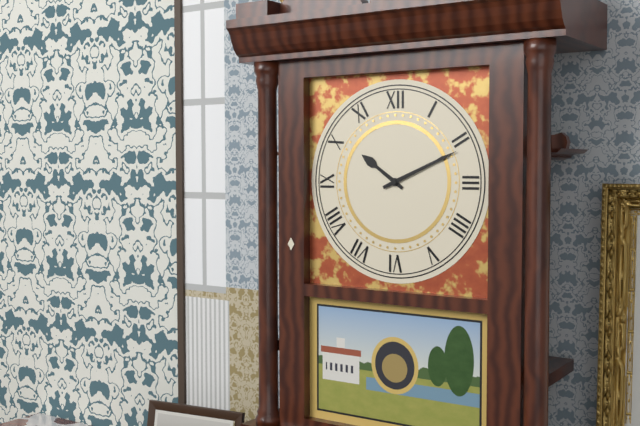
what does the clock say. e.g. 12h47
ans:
10h11
